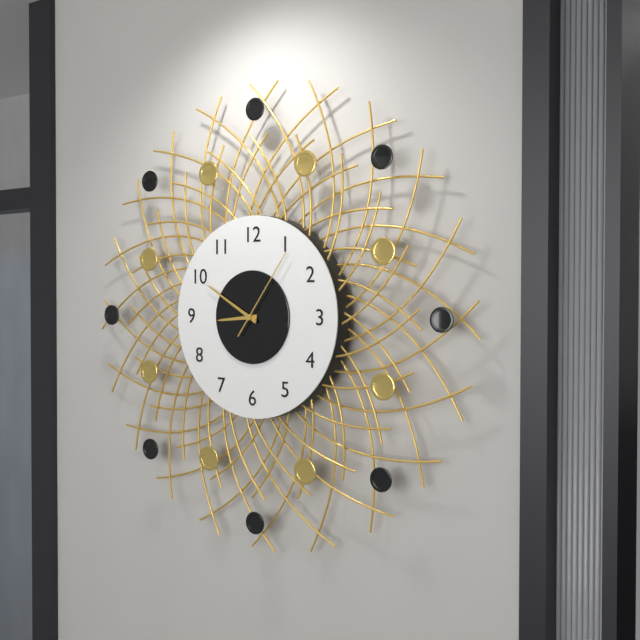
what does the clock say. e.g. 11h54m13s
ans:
8h50m06s
